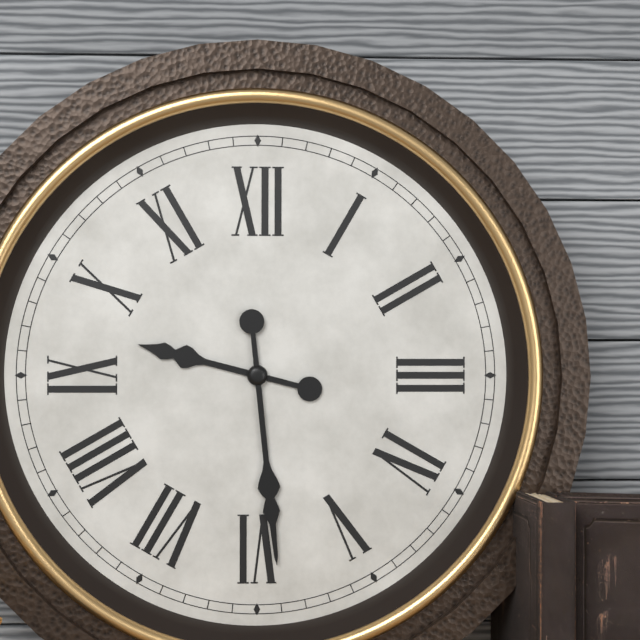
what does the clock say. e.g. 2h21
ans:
9h29
